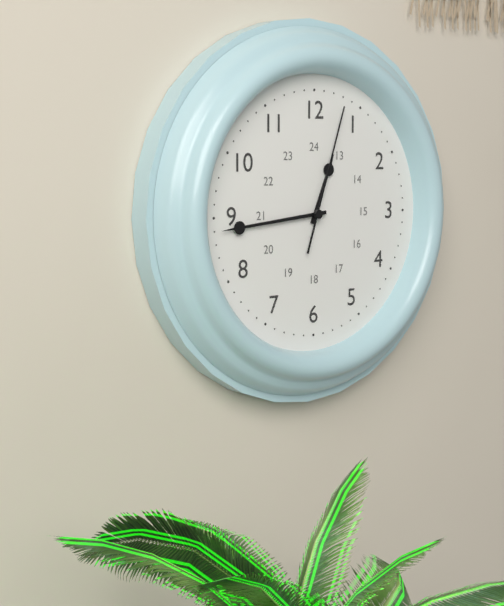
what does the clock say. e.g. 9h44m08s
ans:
12h44m03s
